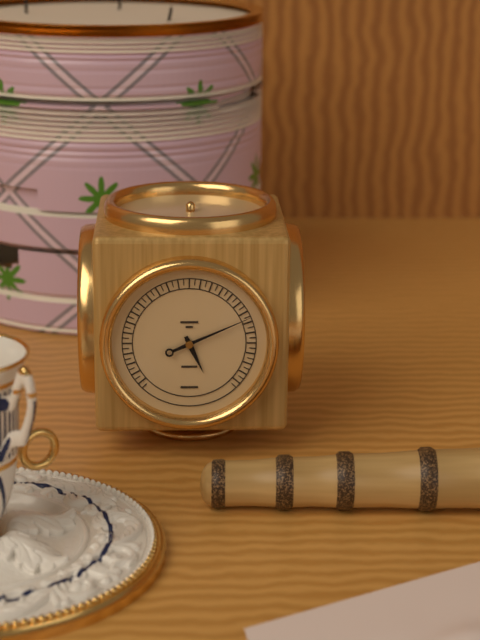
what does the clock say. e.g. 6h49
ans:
5h11
